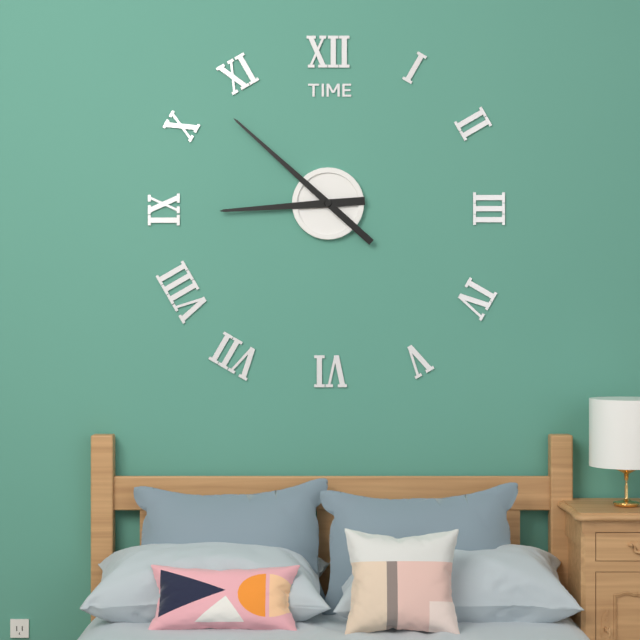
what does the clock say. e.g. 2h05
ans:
8h52
